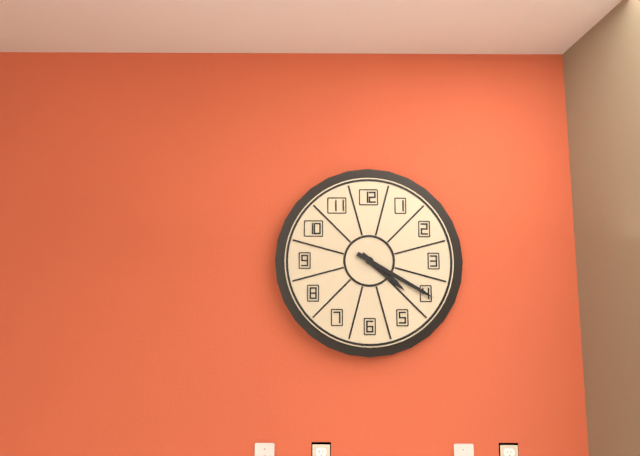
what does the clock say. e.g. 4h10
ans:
4h20
